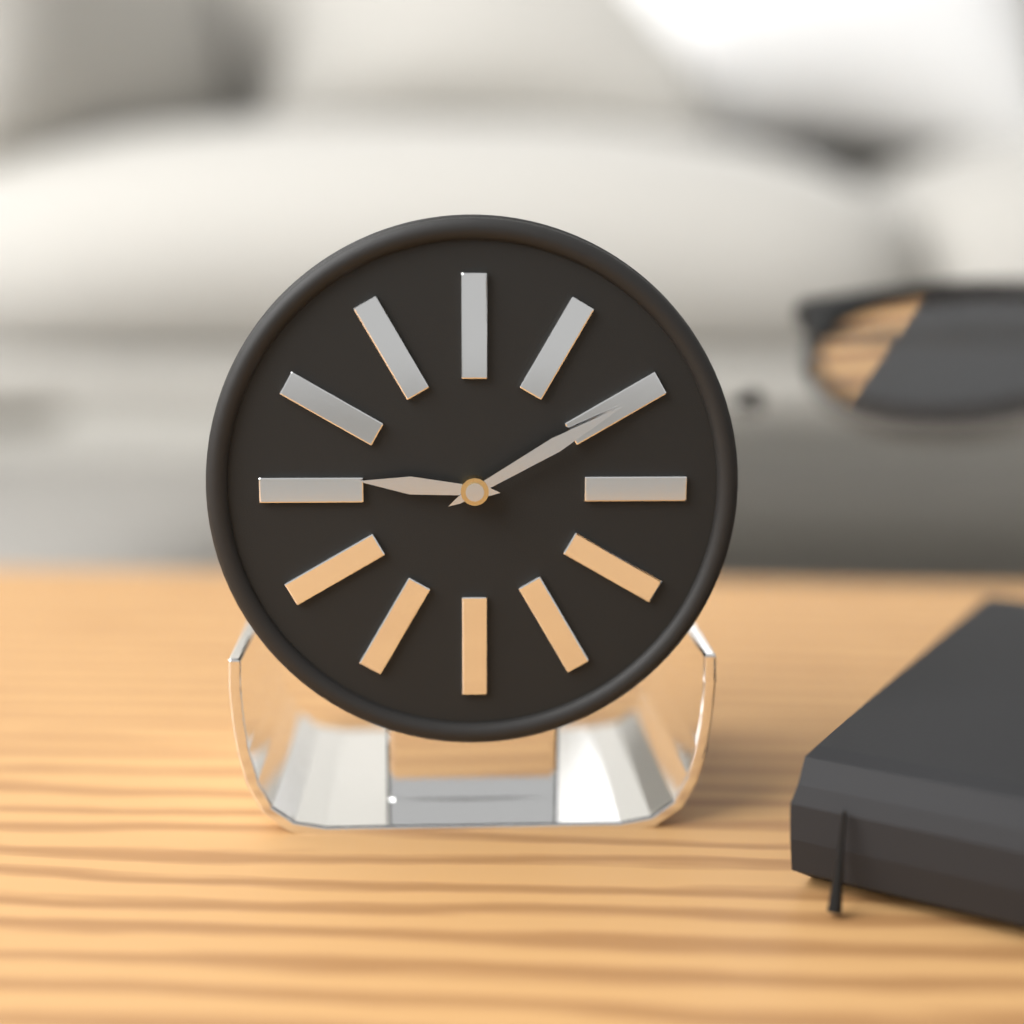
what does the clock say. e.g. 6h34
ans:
9h10
